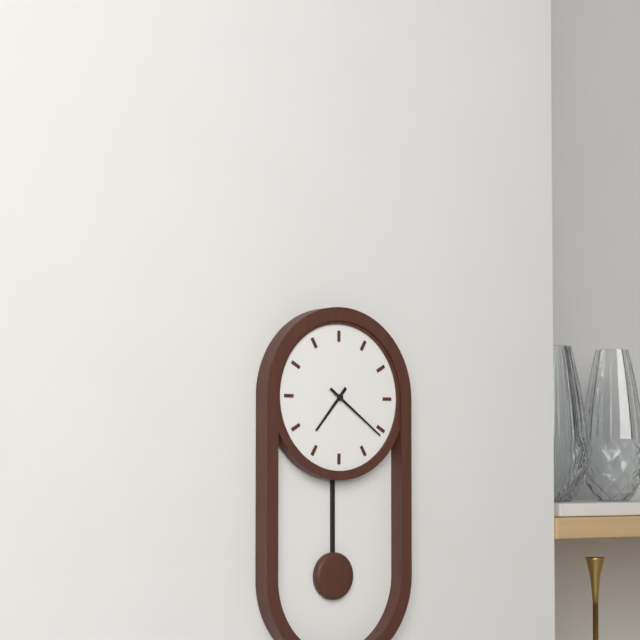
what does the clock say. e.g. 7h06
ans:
7h21
